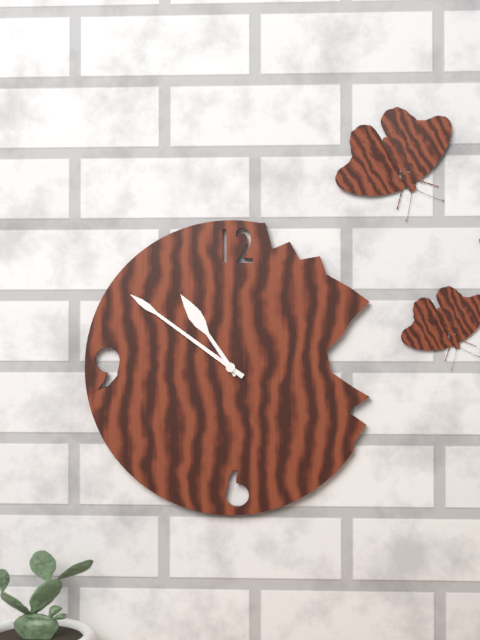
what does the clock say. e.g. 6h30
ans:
10h51
